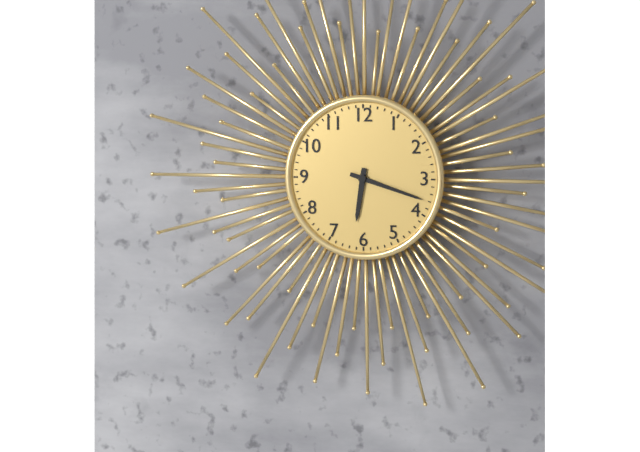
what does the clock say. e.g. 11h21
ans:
6h18
